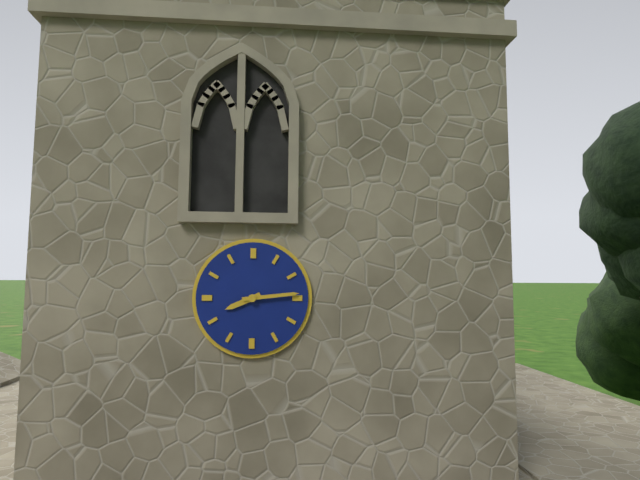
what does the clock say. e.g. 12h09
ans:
8h14
